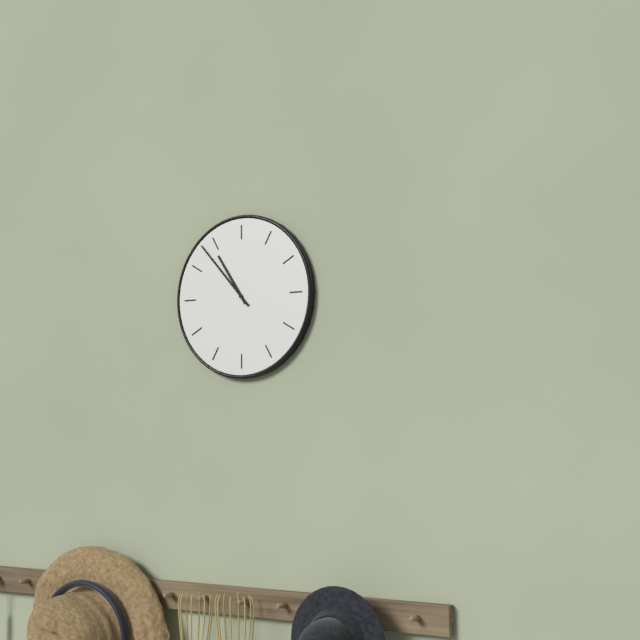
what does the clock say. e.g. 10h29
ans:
10h53
